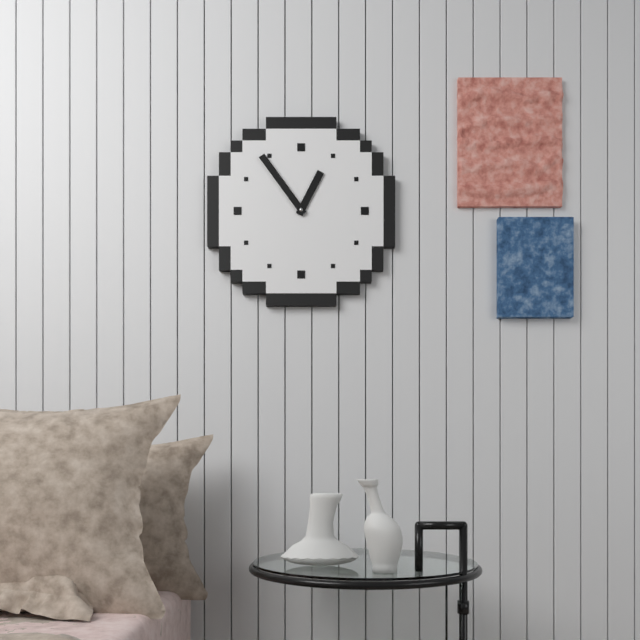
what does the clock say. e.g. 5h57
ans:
12h54
